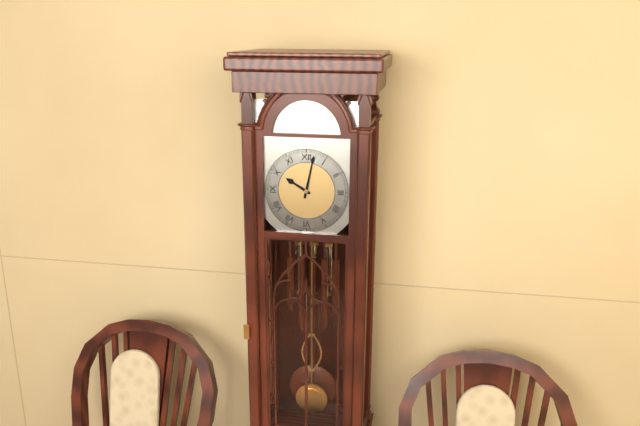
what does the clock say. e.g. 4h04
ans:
10h02
